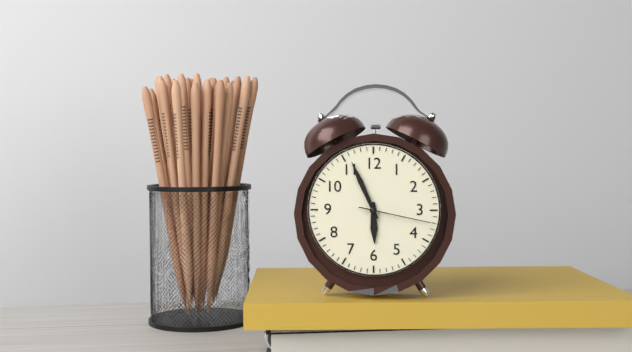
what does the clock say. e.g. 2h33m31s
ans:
5h56m17s
